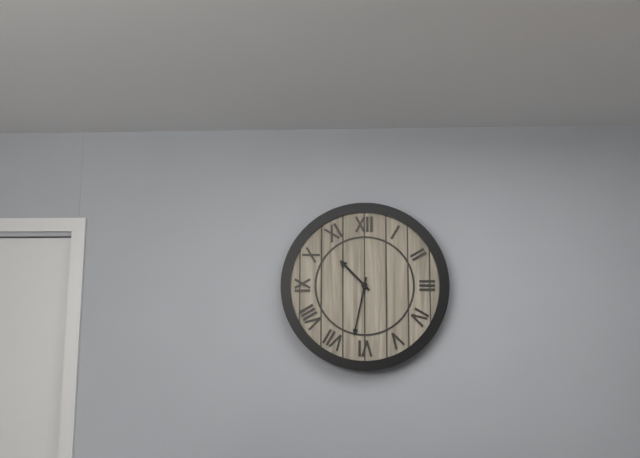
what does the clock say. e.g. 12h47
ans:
10h32
